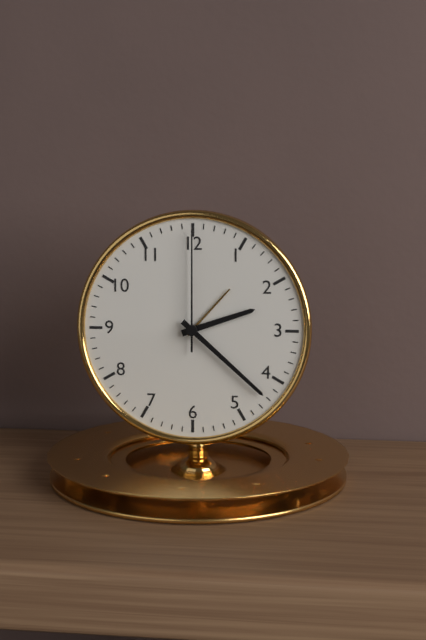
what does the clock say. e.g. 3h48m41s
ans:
2h22m00s
